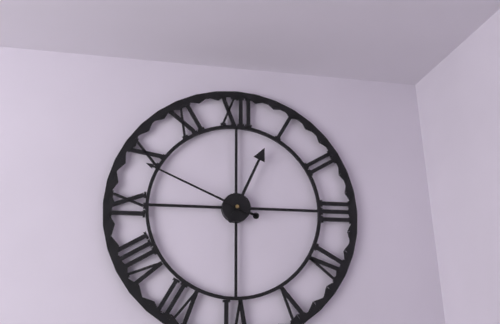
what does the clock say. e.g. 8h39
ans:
12h49
